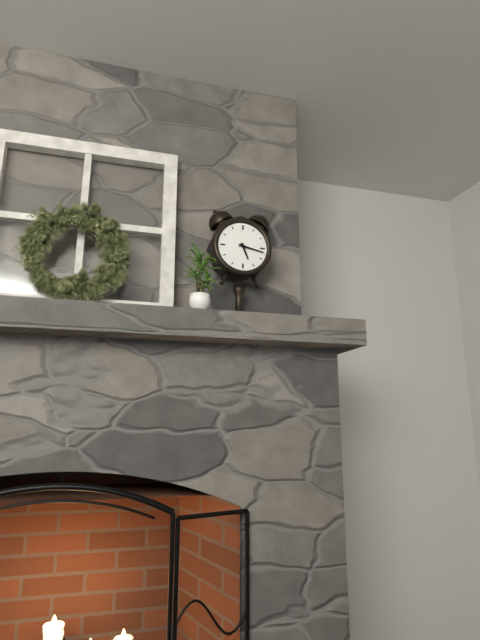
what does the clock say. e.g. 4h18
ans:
5h17
